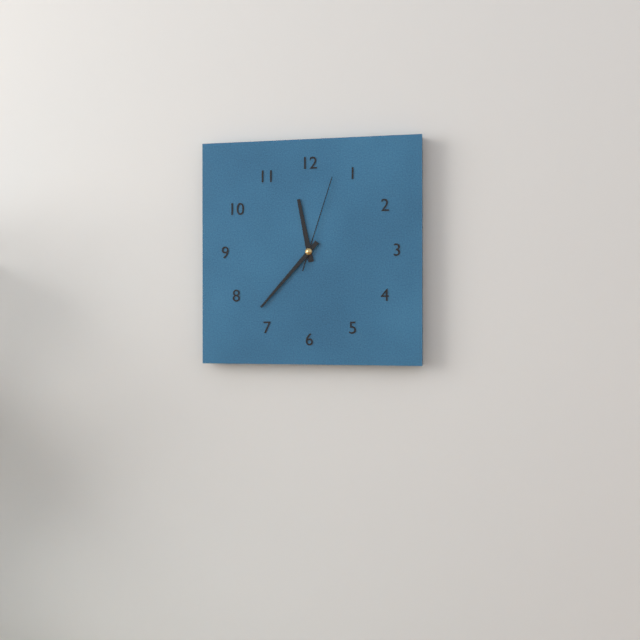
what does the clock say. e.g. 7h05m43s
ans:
11h37m03s
